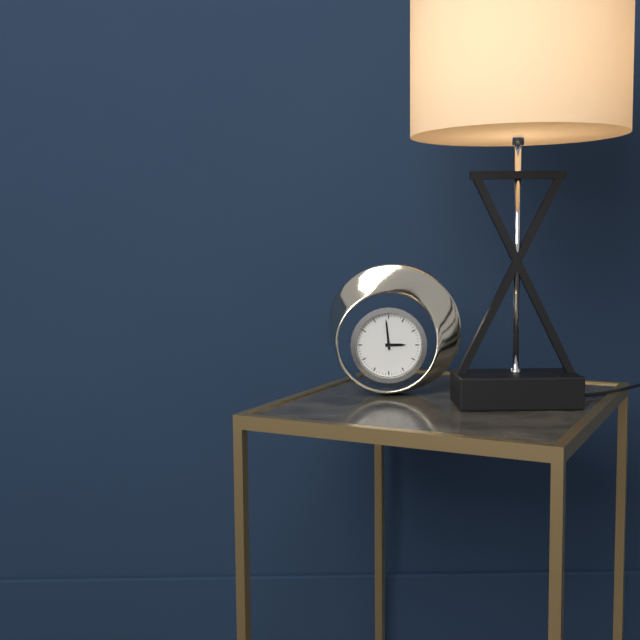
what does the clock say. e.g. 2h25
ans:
2h59
